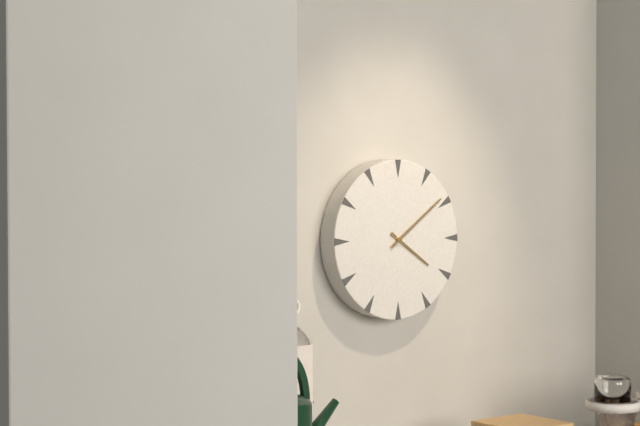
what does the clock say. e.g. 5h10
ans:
4h09
